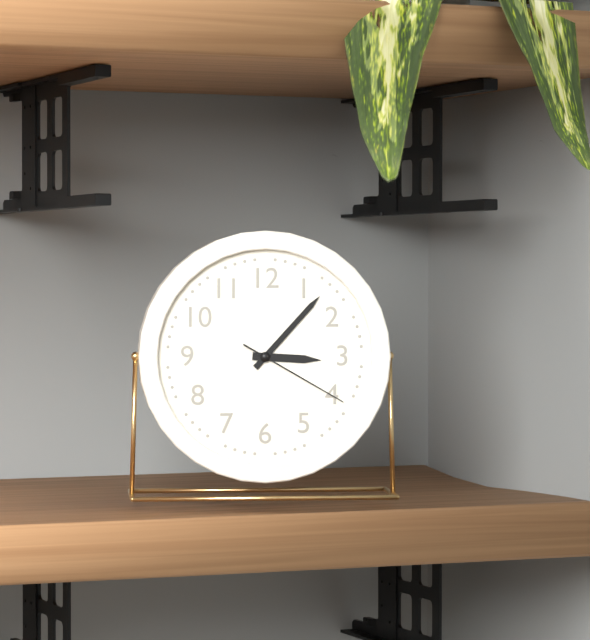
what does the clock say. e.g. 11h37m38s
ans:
3h07m20s
